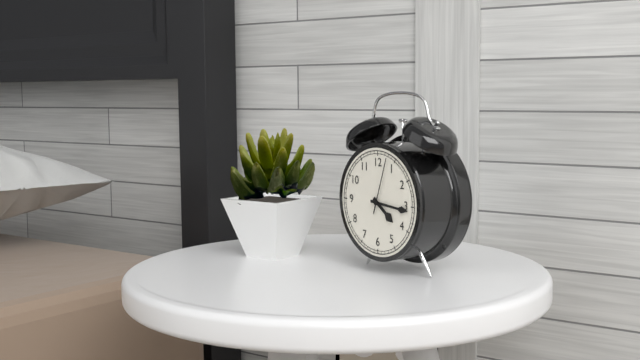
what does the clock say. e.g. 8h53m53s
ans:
4h16m03s
